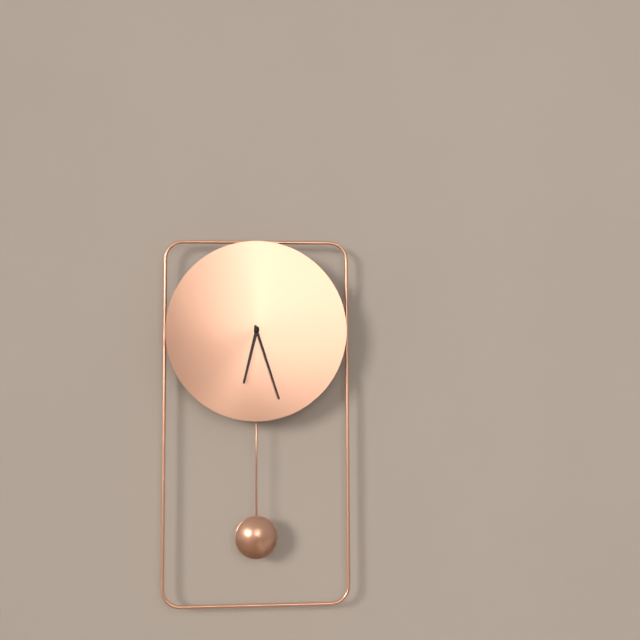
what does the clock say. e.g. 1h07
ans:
6h27
